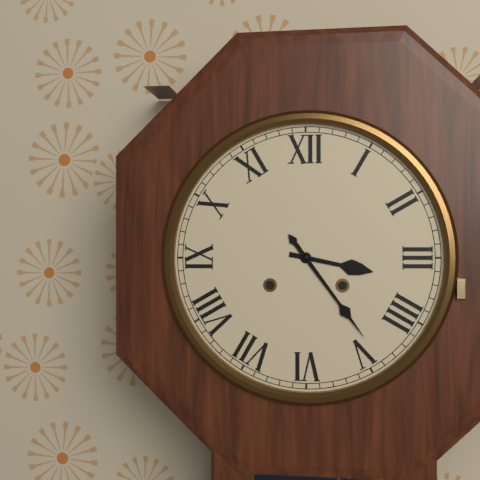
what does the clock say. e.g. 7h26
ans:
3h24
